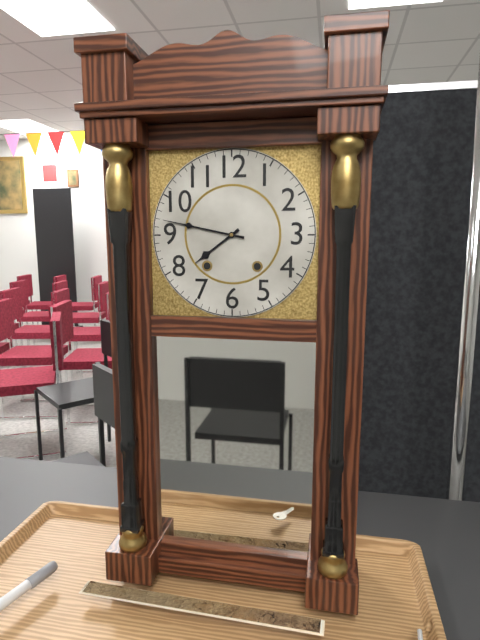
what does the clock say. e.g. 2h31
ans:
7h47
